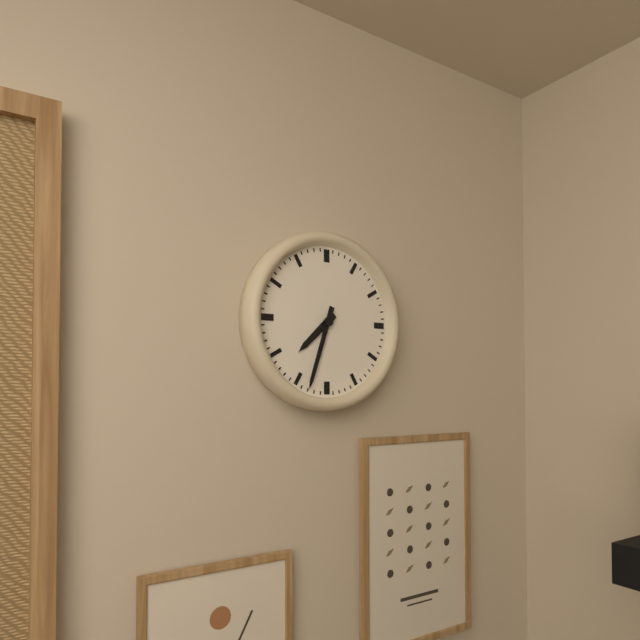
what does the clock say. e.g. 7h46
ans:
7h33
